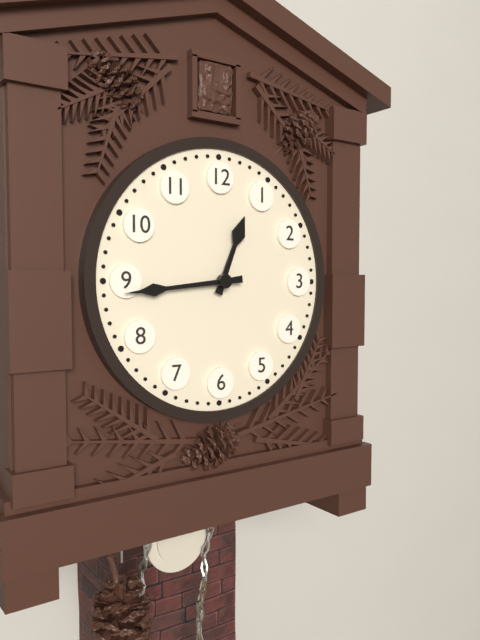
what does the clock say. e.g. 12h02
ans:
12h44
